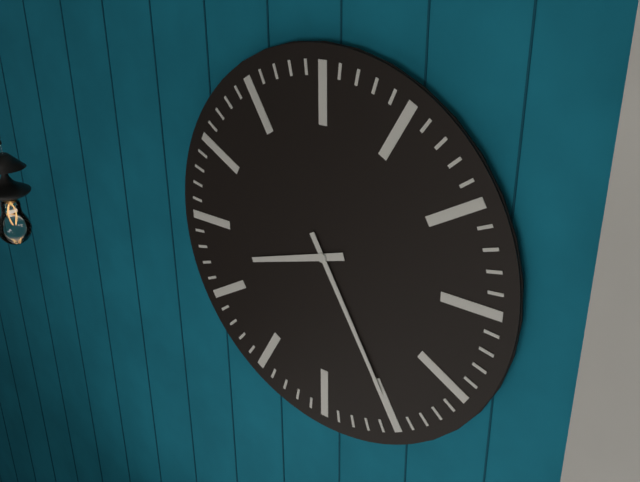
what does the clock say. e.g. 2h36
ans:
8h25
